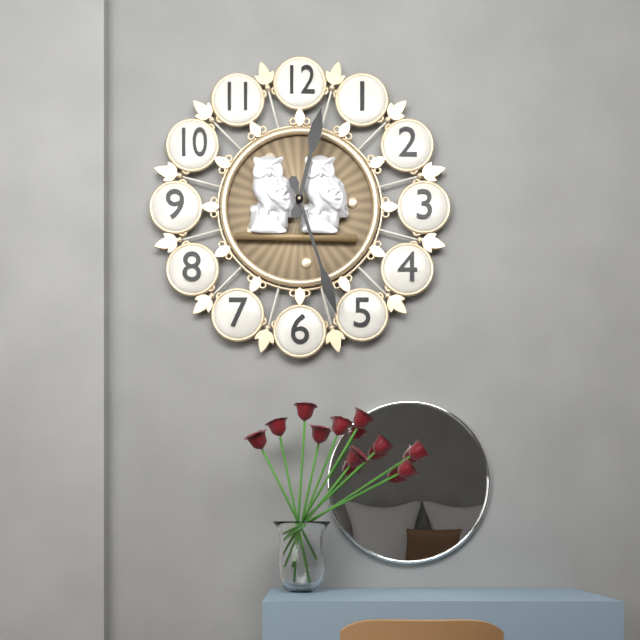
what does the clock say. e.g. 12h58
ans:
12h27
